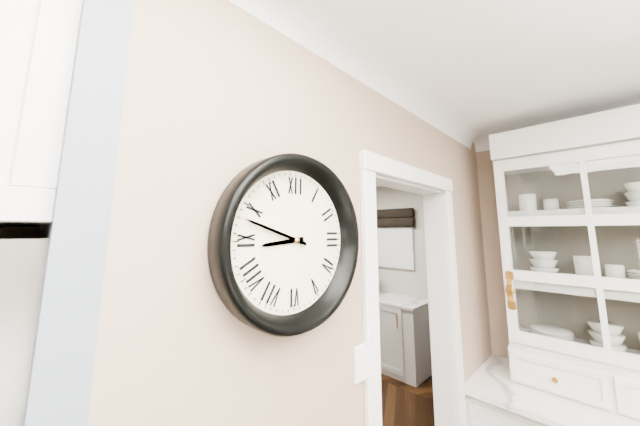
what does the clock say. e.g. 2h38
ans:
8h48
